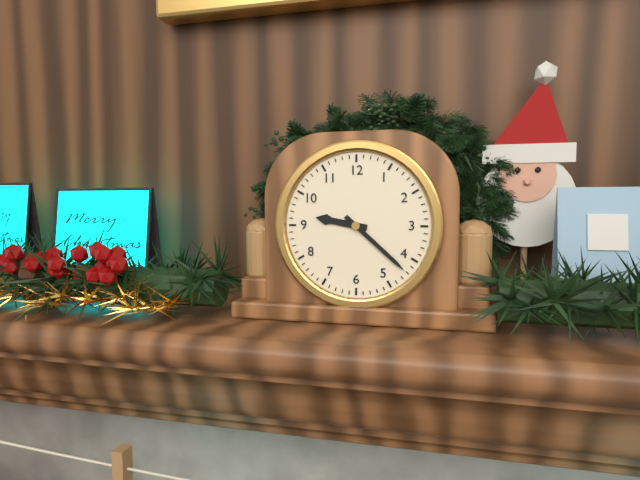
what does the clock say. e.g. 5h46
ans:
9h22
